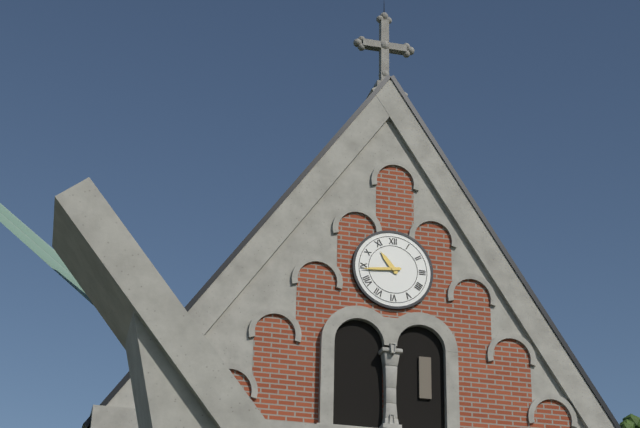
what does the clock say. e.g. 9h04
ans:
10h44
